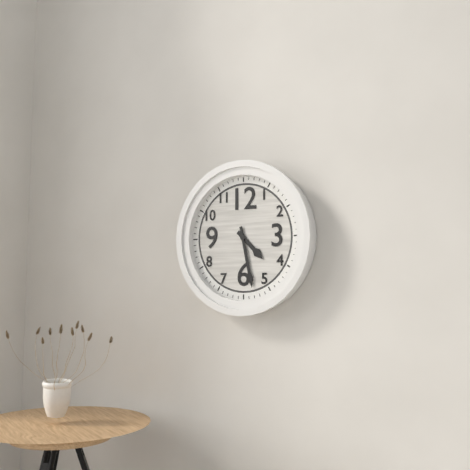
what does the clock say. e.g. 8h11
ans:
4h28
